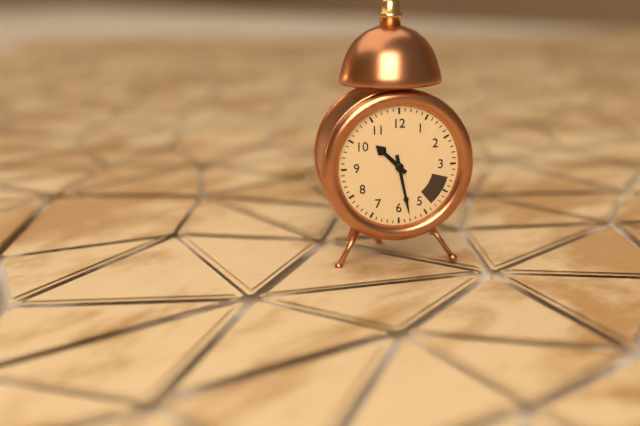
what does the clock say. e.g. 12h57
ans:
10h28
